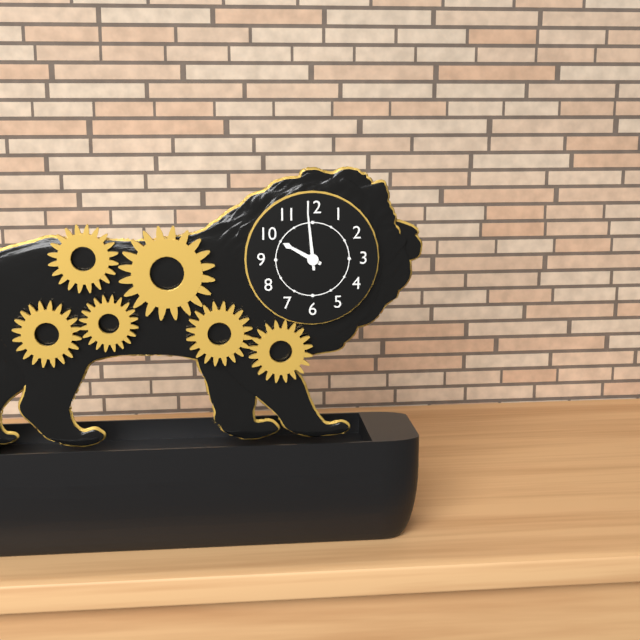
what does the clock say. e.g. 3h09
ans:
9h59
